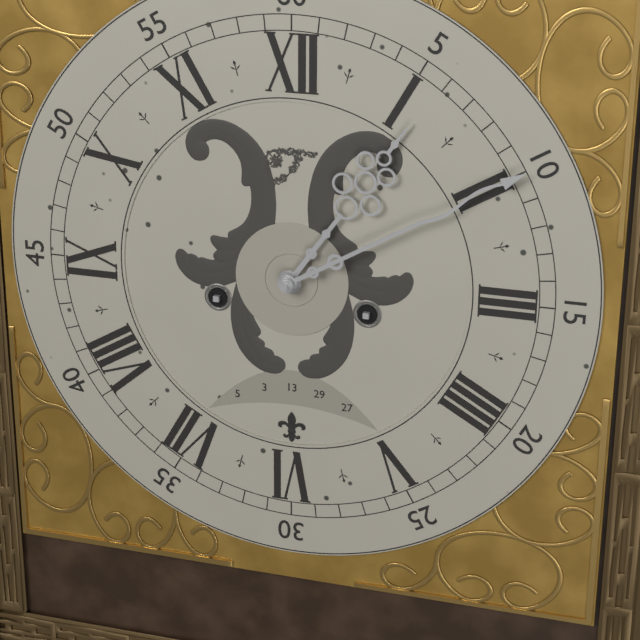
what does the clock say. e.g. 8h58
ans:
1h10
